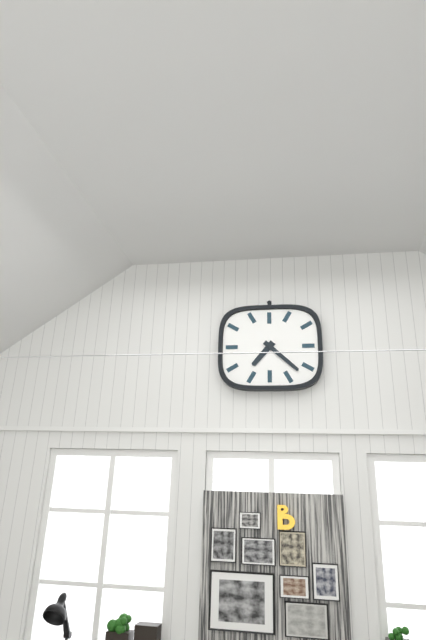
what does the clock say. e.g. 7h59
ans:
7h22
